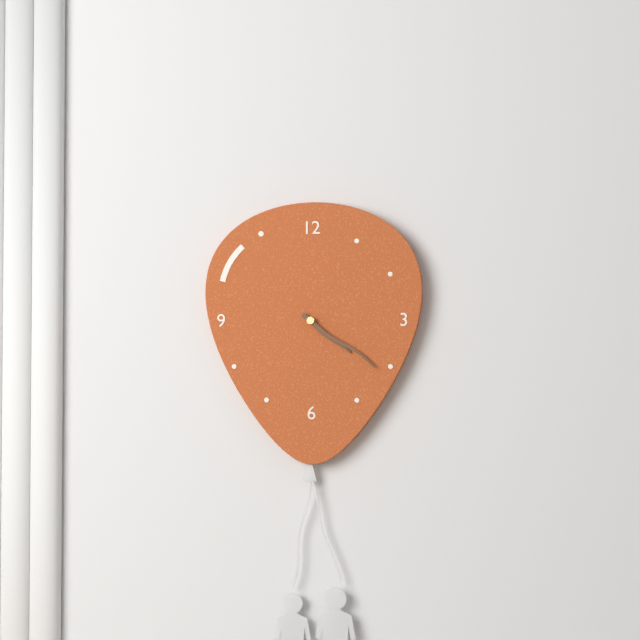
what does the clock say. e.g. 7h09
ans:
4h21
